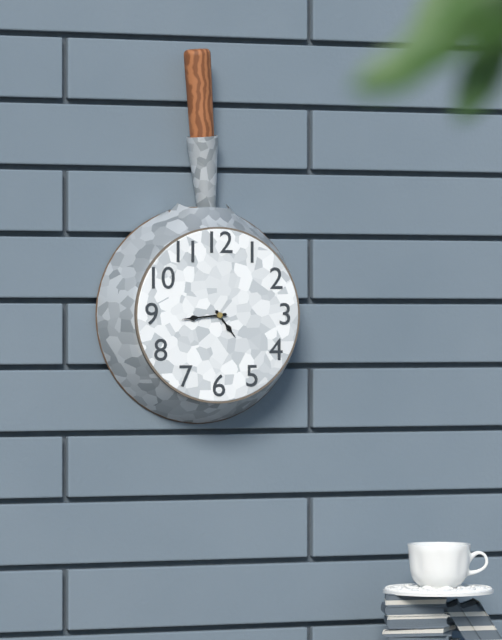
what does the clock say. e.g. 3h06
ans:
4h44
